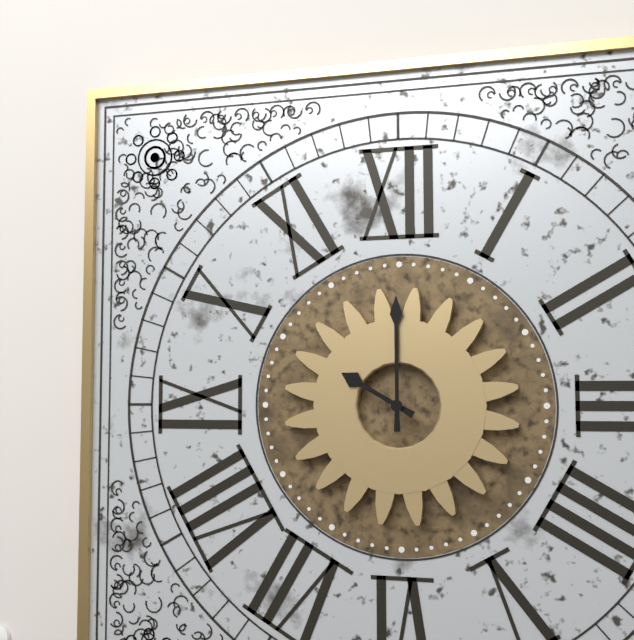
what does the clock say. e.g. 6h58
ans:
10h00
